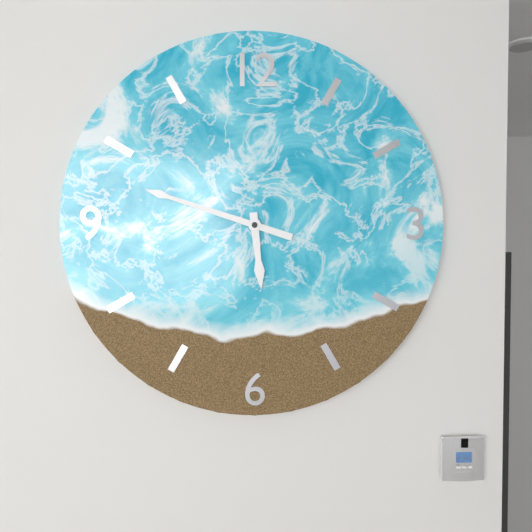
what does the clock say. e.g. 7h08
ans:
5h48
